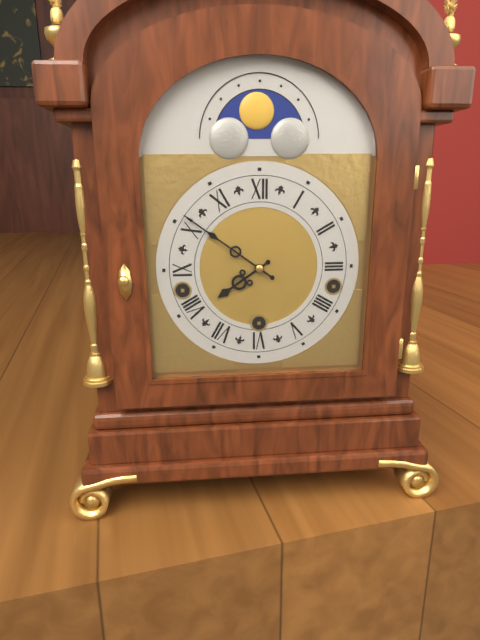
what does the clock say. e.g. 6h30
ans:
7h51
